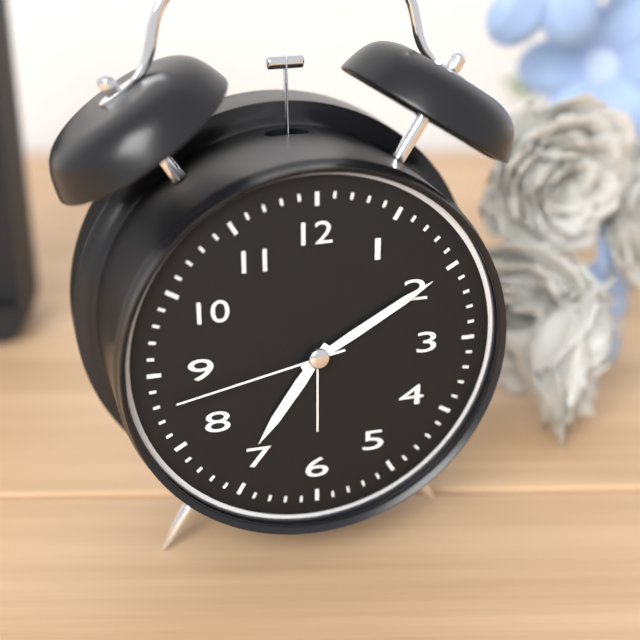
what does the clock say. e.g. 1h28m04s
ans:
7h10m43s
